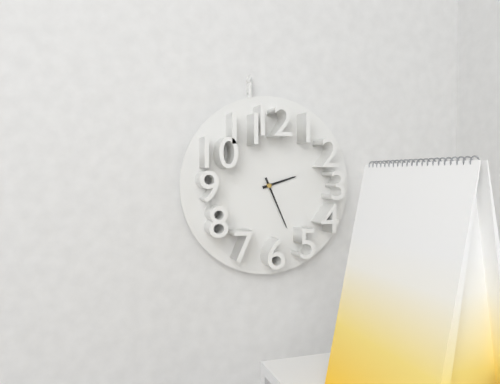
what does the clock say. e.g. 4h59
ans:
2h26
